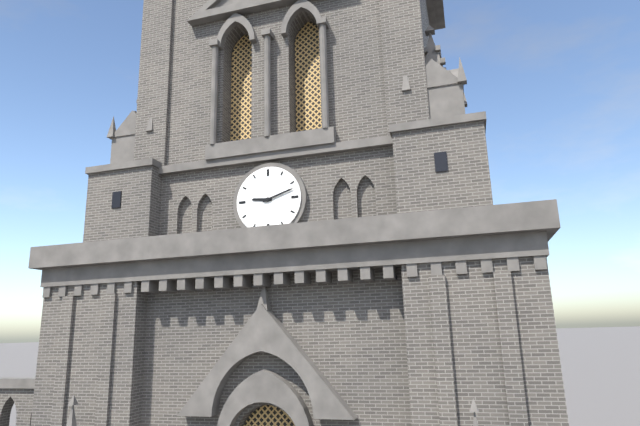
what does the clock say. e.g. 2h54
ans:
9h12
